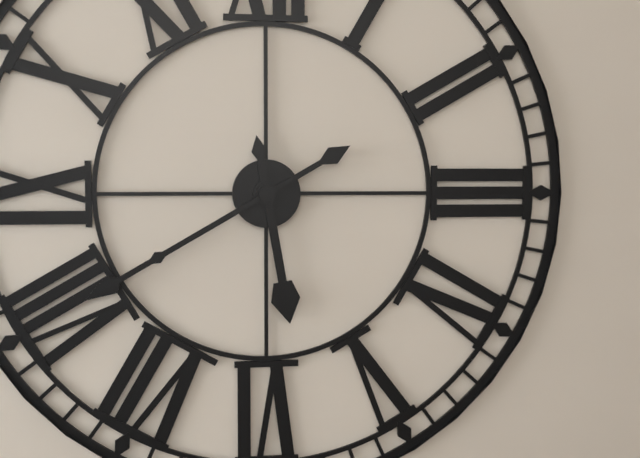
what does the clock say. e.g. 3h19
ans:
5h40
